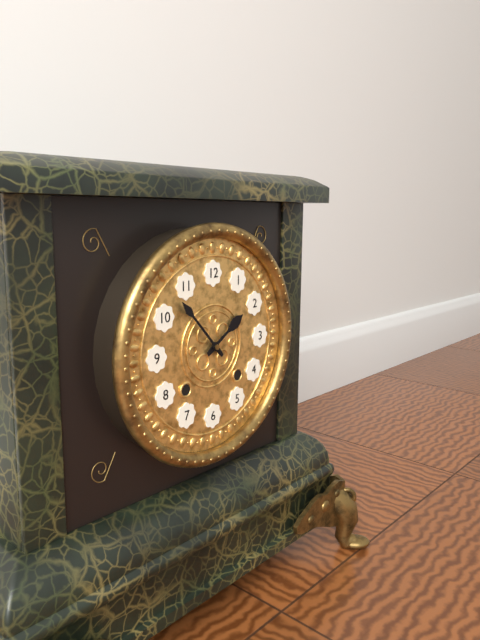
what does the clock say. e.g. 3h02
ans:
1h53
